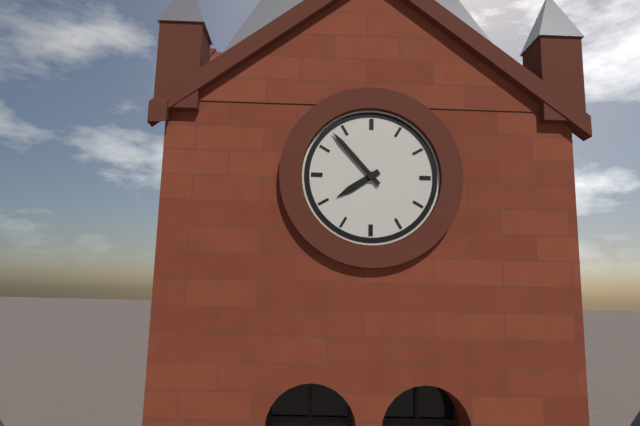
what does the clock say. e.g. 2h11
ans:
7h53
